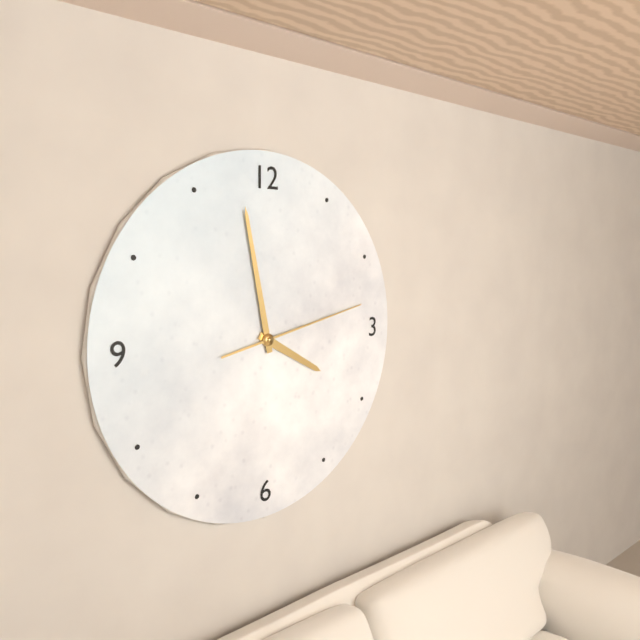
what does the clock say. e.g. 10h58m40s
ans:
3h58m13s
